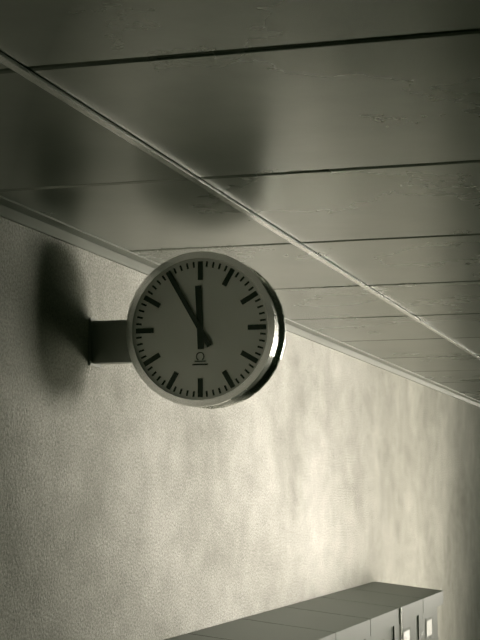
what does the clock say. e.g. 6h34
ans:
11h55
